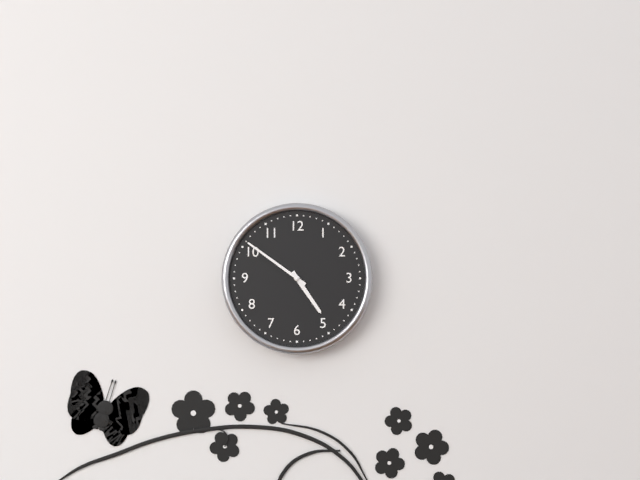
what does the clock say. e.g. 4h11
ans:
4h51
